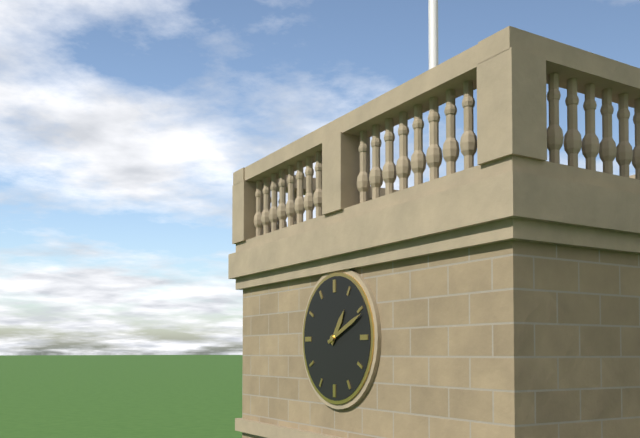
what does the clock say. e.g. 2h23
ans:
1h11
